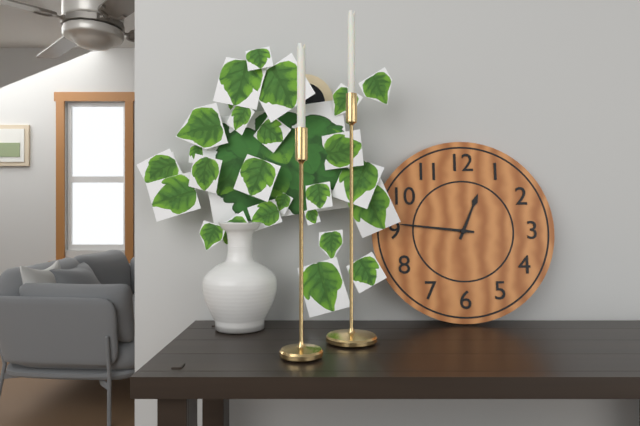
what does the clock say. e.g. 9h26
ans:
12h46
